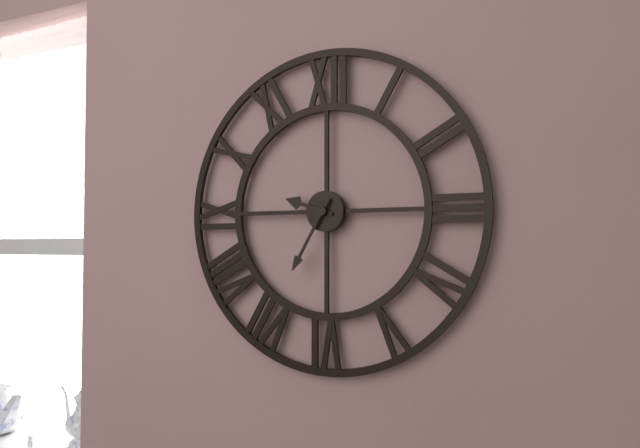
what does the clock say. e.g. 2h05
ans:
9h35
